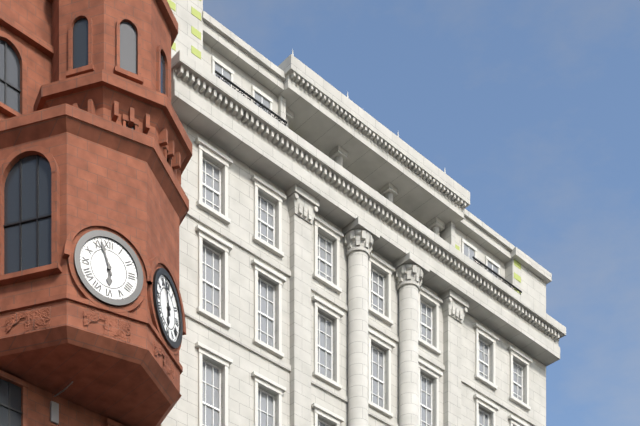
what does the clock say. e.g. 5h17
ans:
5h57
